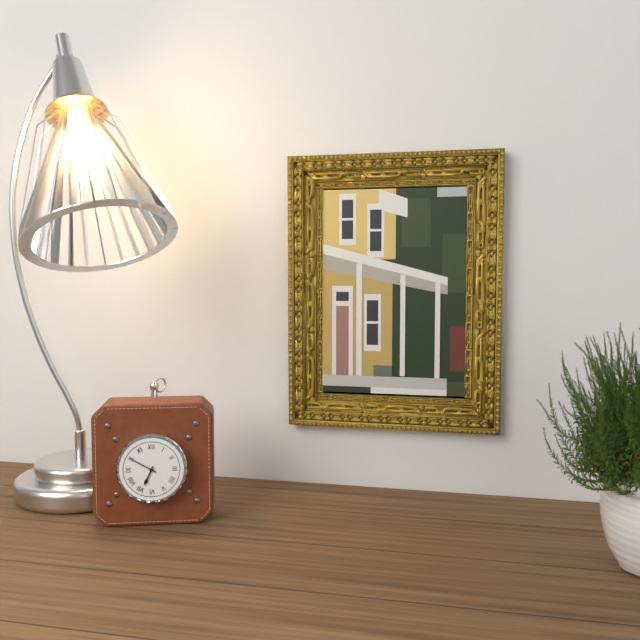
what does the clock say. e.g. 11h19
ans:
6h50
